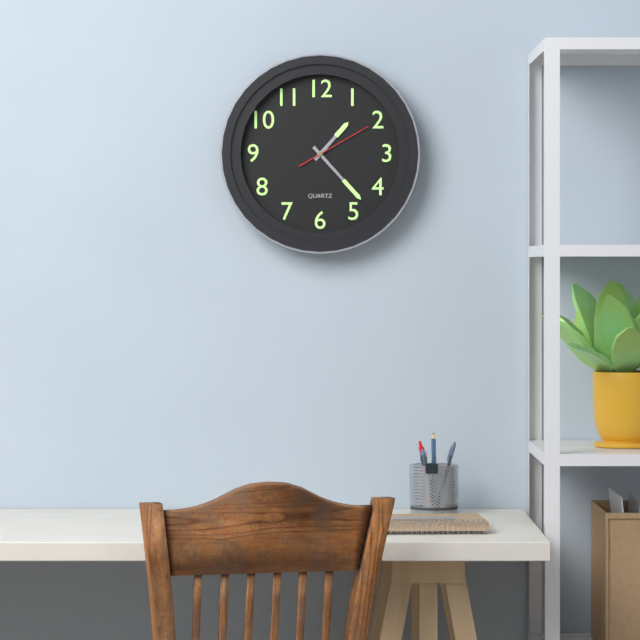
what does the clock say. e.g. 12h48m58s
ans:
1h23m10s
